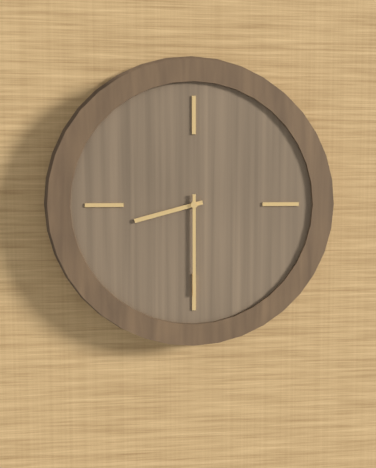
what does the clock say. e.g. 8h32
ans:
8h30
